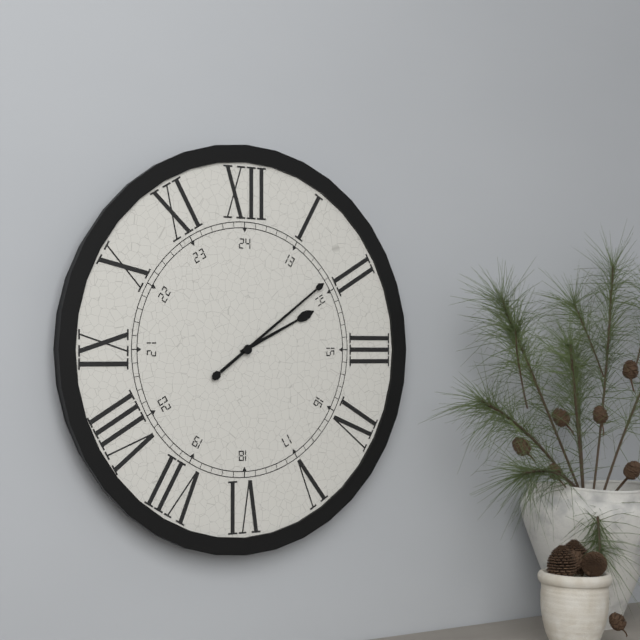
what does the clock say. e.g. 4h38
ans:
2h09
